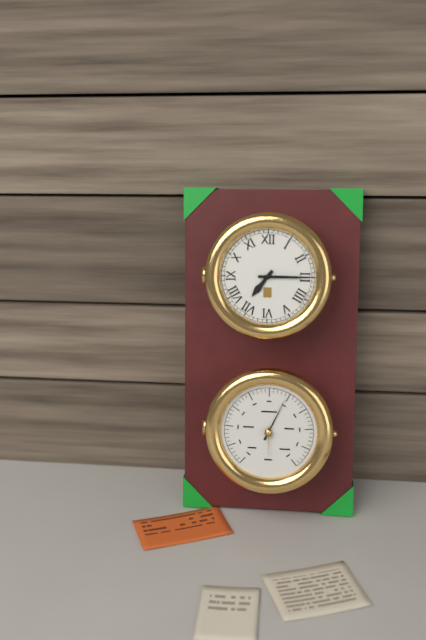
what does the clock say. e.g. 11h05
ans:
7h15
